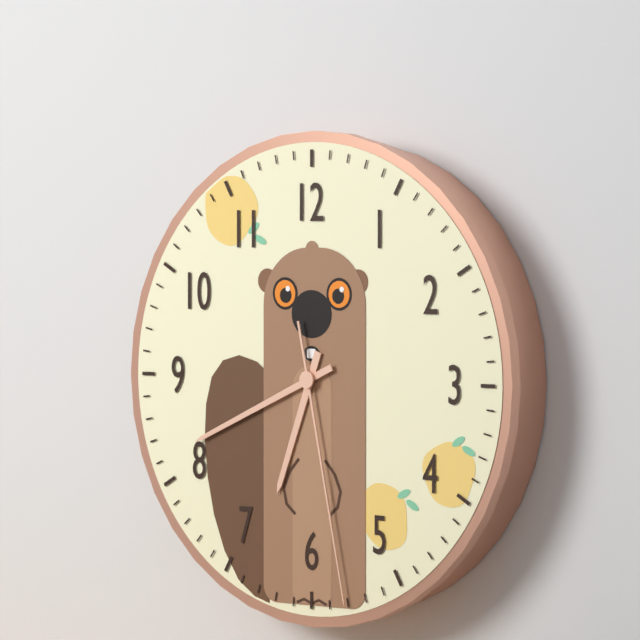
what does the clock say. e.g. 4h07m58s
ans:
6h41m28s
